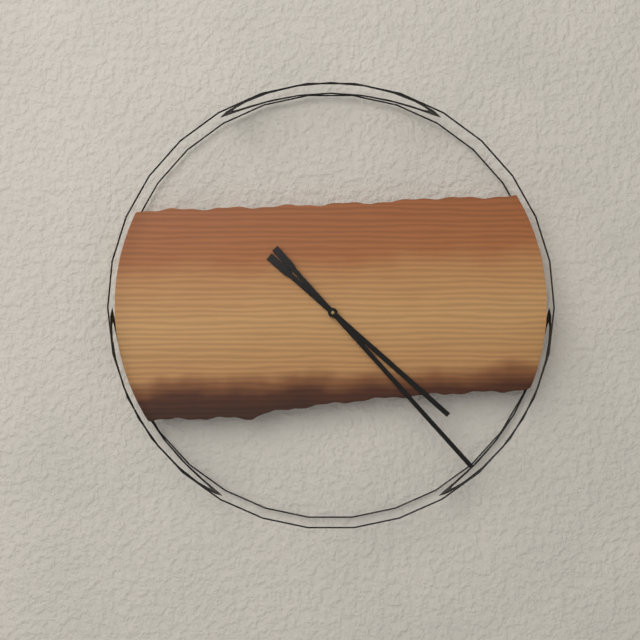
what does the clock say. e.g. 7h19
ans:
4h23
